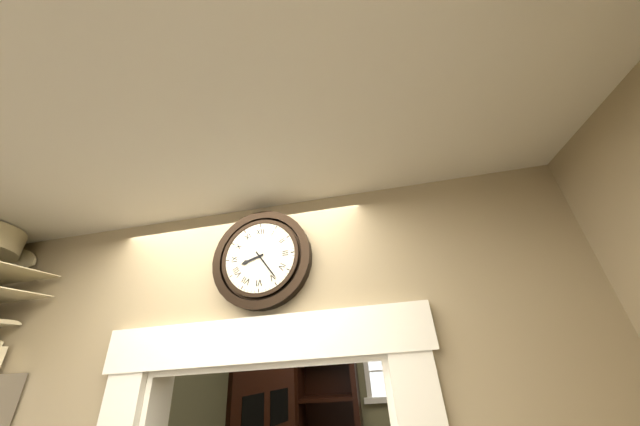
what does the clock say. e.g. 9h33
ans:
8h24
